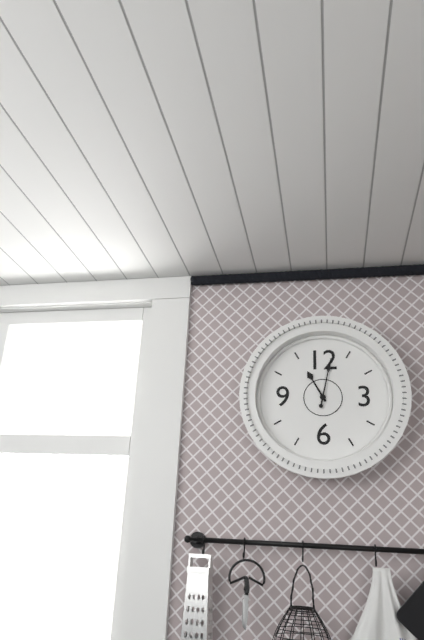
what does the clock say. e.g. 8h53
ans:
11h02
